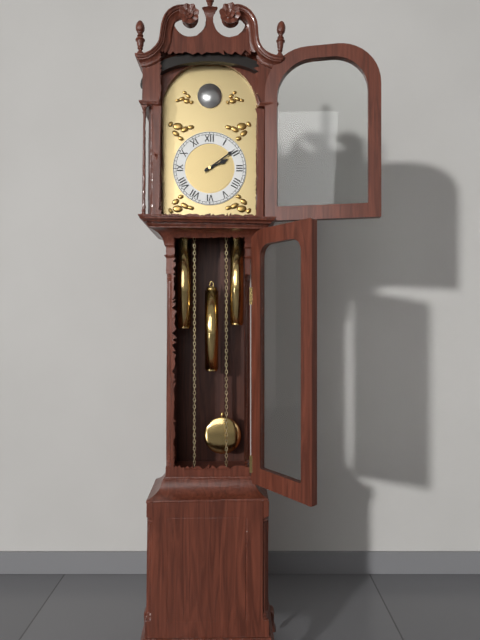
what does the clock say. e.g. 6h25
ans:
2h09
